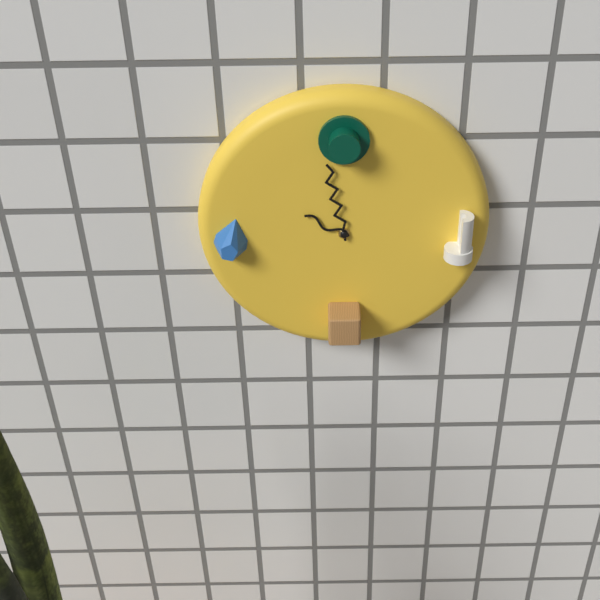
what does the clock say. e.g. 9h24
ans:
9h58
